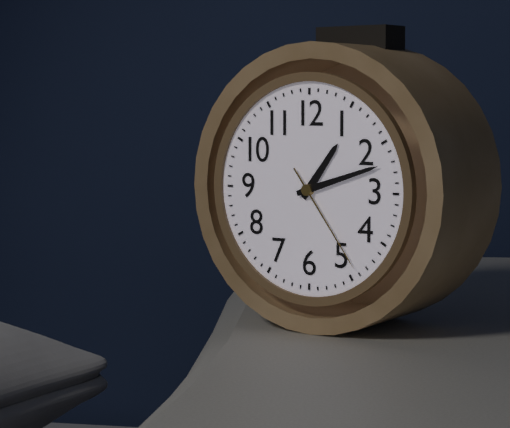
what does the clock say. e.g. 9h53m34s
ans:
1h12m24s
